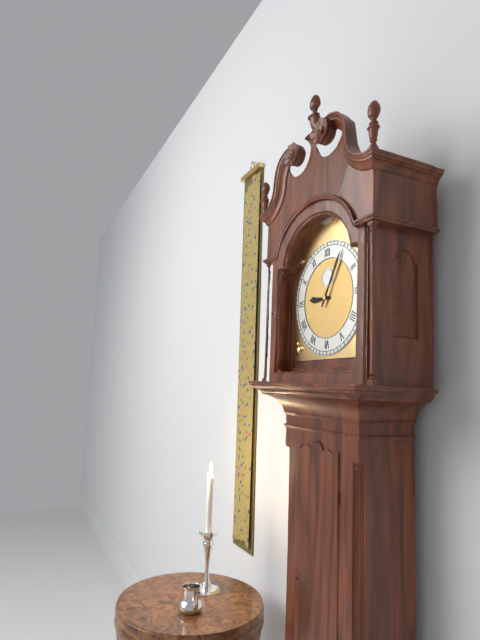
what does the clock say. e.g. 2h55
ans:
9h05
